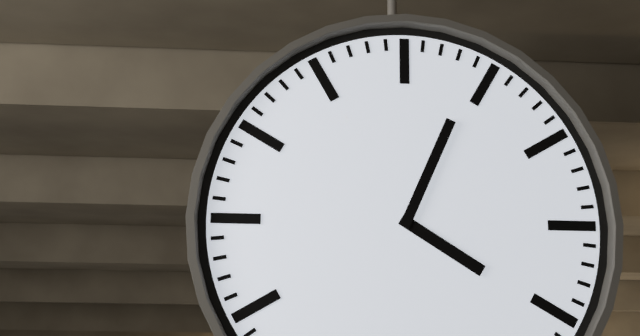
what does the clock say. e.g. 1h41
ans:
4h04
